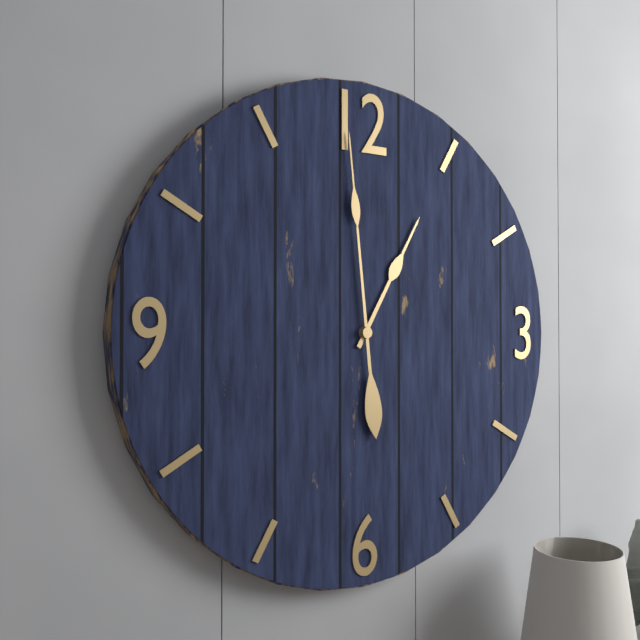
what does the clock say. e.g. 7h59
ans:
12h59
